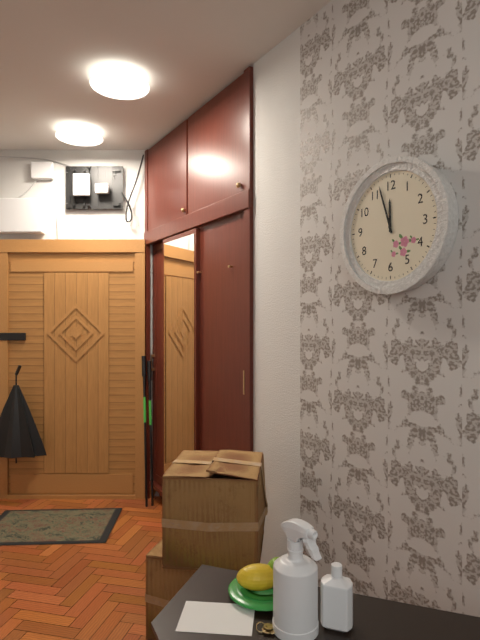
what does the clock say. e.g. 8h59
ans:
11h57
